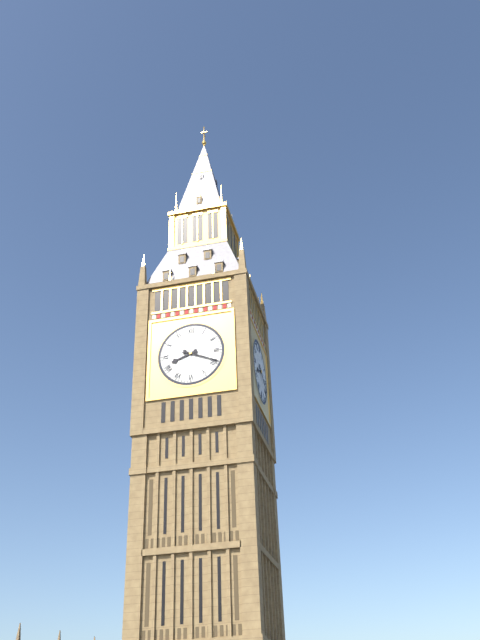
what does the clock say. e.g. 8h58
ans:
8h19
